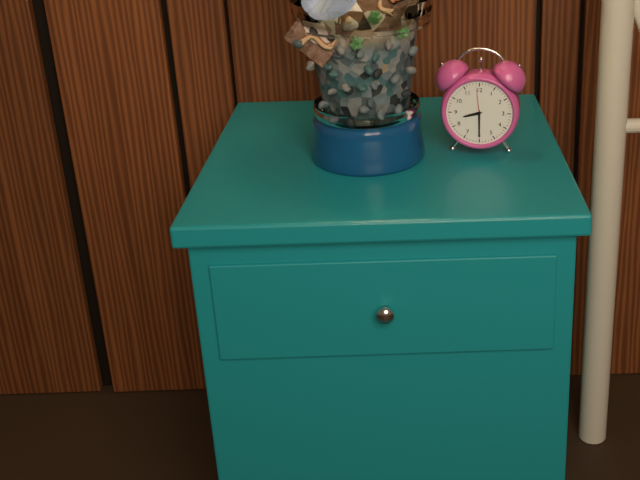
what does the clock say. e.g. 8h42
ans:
8h30
